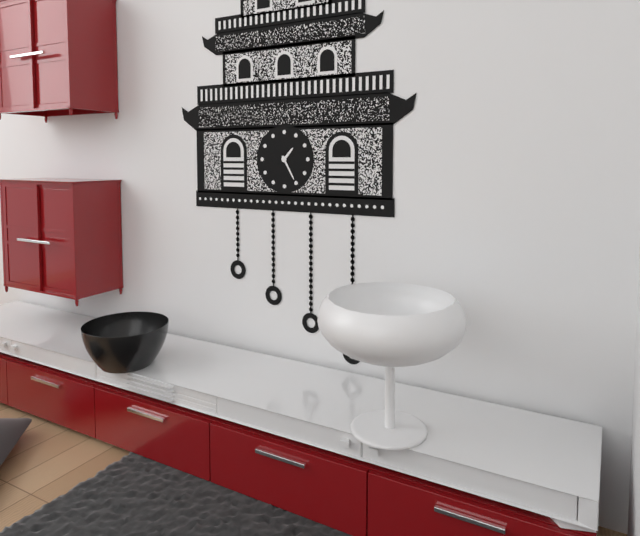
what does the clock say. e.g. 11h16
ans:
1h25
